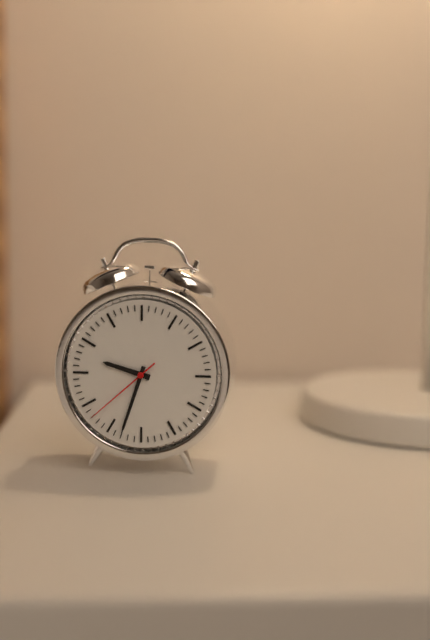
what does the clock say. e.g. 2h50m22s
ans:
9h33m38s
